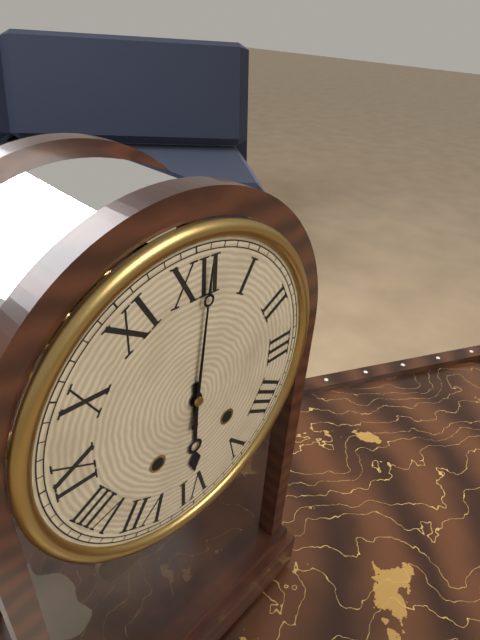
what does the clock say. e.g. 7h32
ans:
6h01
